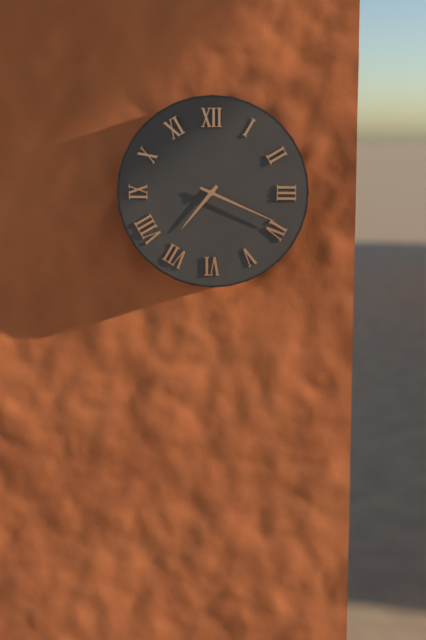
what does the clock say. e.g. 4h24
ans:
7h19
